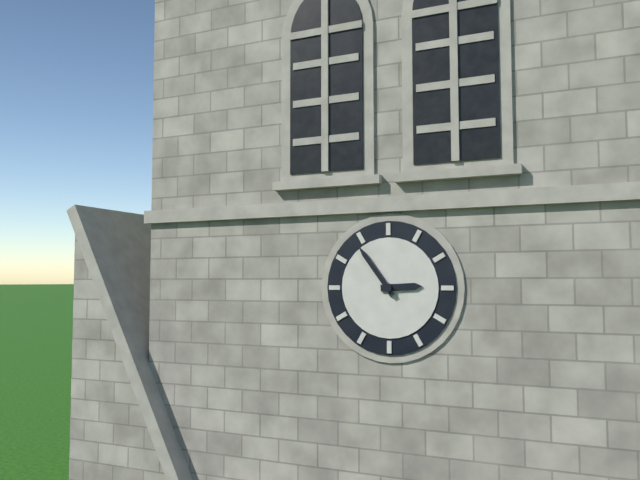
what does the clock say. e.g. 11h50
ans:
2h54
